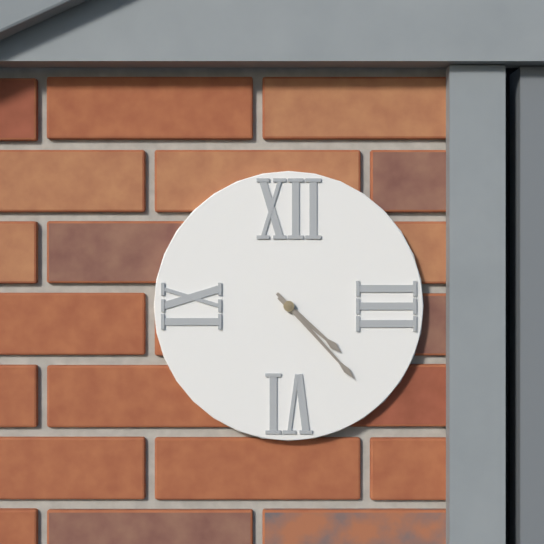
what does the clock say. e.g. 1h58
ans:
4h23
